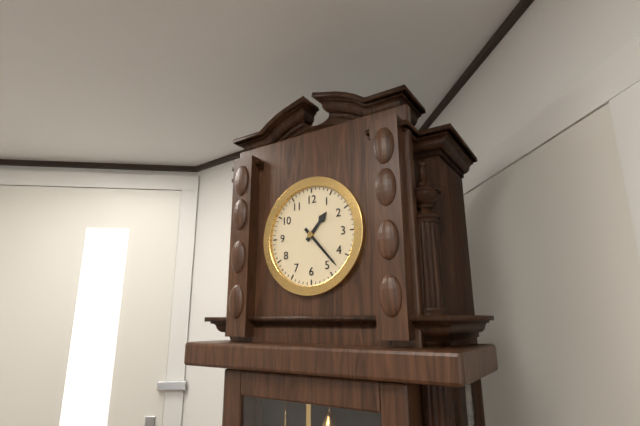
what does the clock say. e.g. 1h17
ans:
1h23
